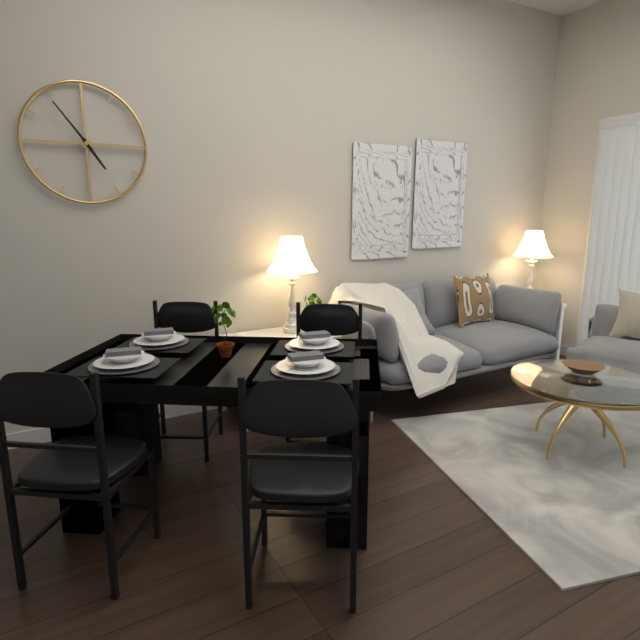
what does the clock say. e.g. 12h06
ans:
4h54
